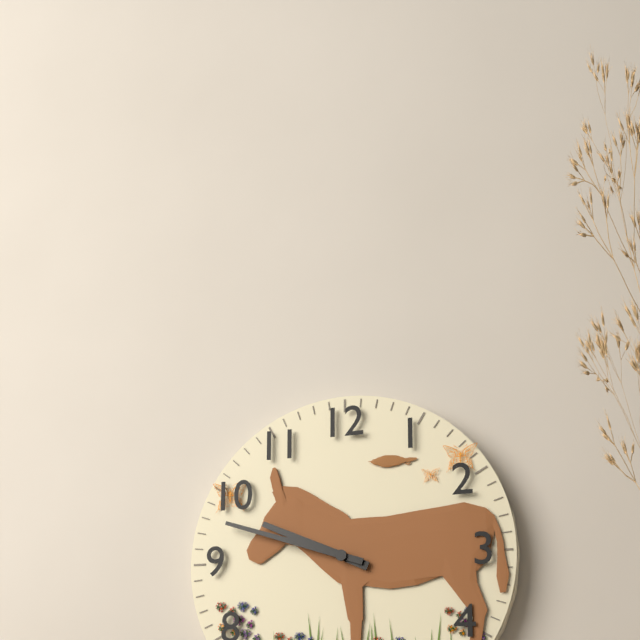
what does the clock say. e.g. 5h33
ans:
9h48
